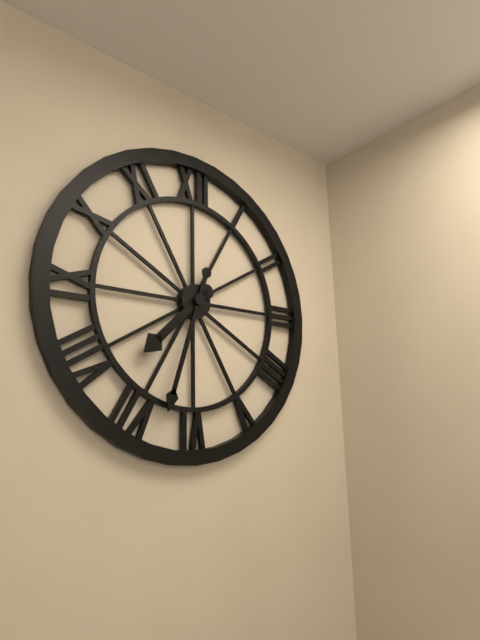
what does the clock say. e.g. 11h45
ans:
7h33
